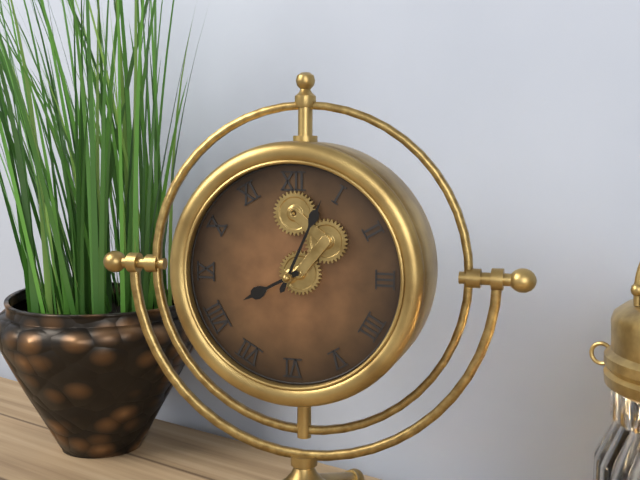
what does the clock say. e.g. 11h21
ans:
8h04
